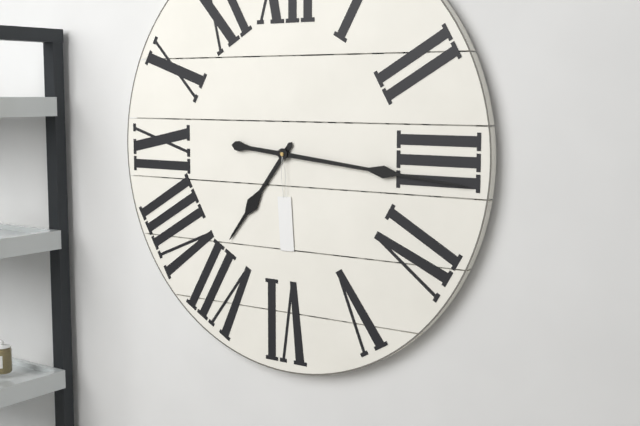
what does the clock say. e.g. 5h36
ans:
7h16
